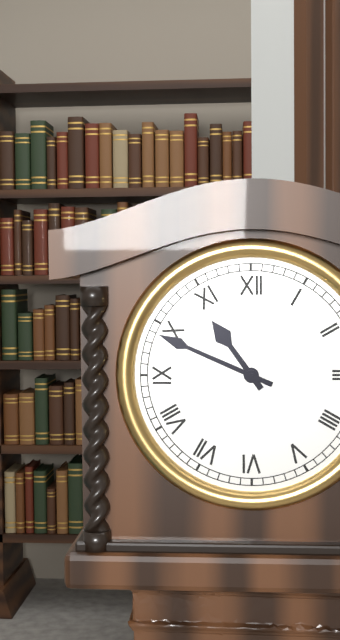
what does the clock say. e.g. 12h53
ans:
10h49
